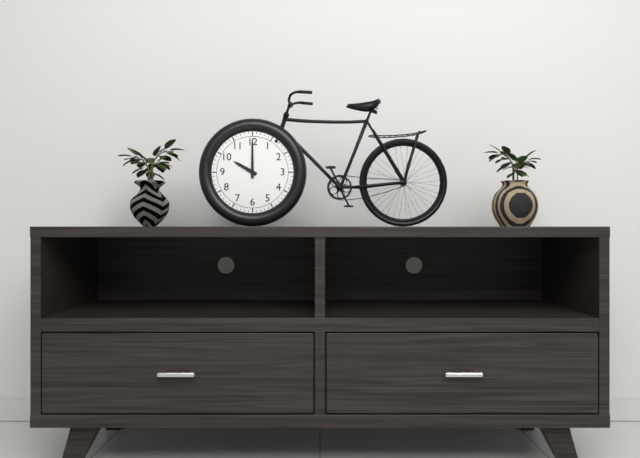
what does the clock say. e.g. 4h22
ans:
10h00
